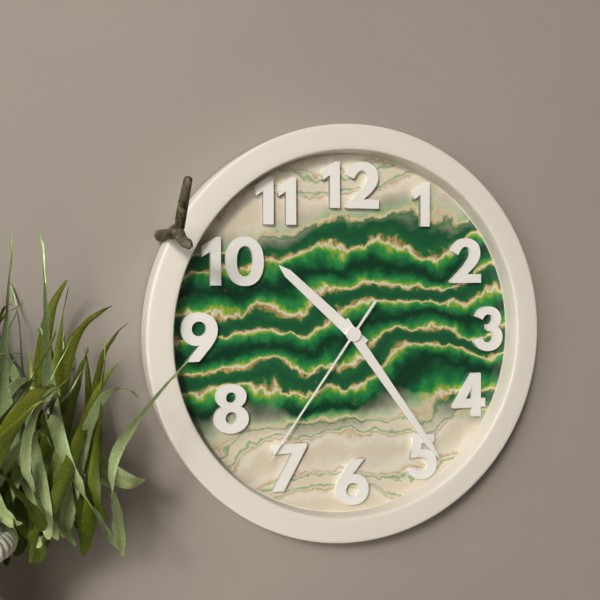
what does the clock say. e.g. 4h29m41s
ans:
10h24m36s
